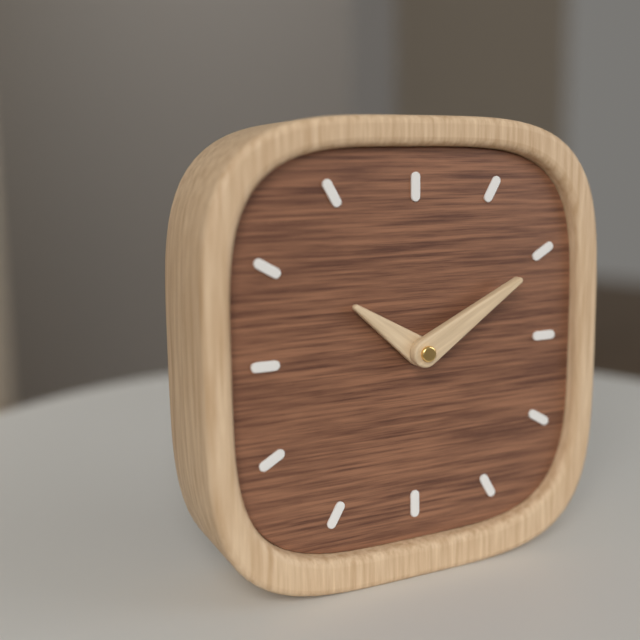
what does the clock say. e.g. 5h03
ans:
10h10
